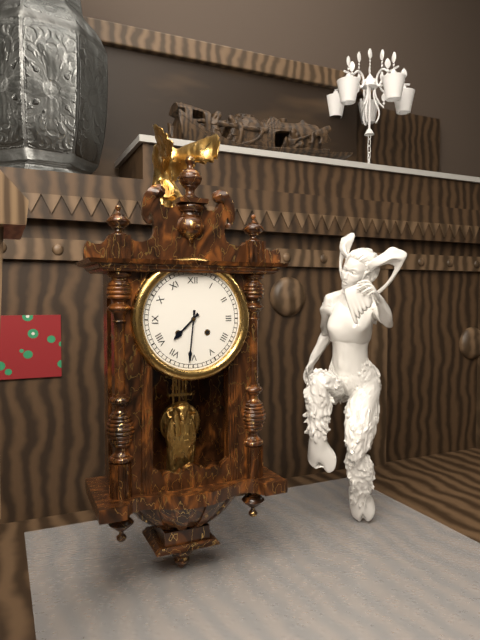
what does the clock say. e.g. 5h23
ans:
7h31
